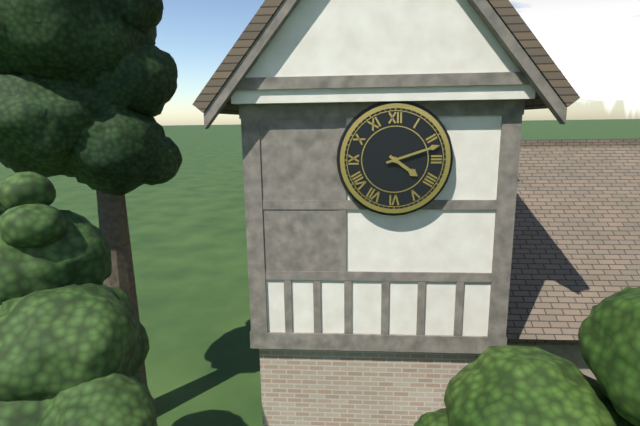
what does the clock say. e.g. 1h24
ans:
4h12
